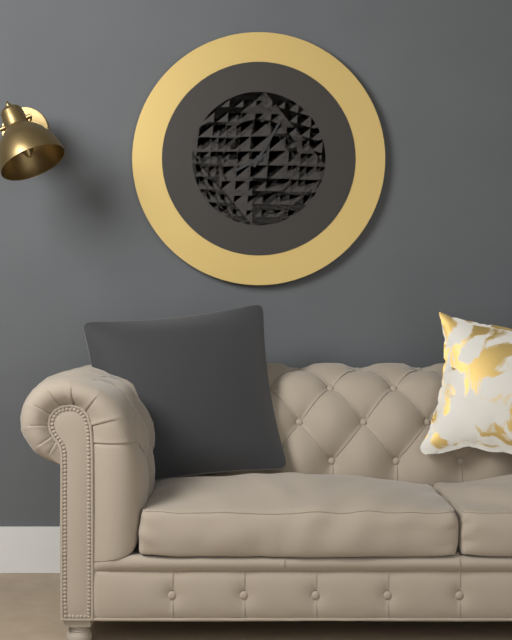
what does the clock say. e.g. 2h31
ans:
8h05
